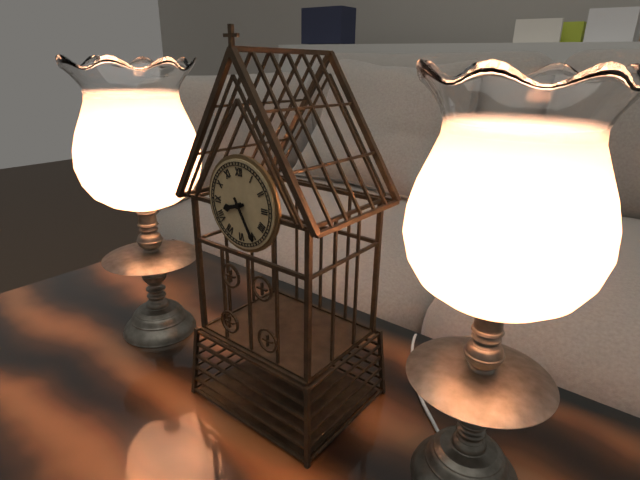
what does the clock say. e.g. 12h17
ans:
8h25
